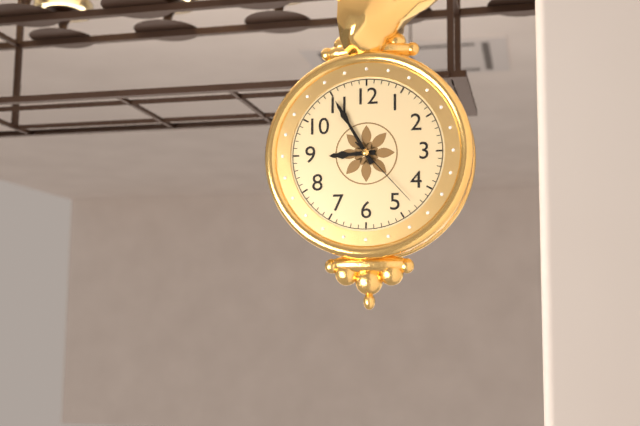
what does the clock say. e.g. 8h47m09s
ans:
8h55m23s
